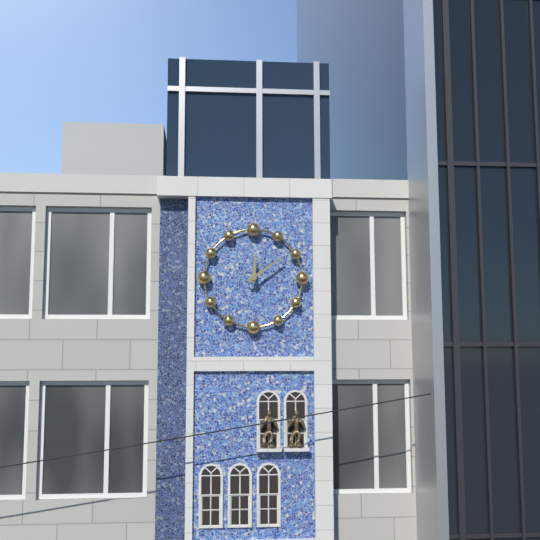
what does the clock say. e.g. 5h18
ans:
12h09
